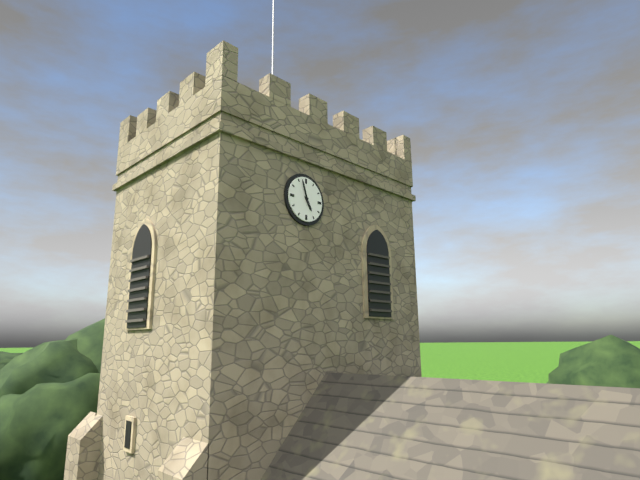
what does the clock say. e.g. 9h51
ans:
4h57
